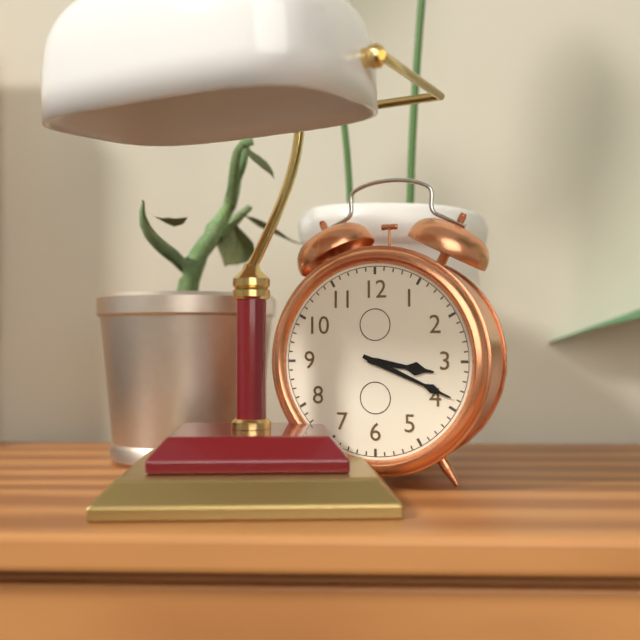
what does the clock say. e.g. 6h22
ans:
3h19
